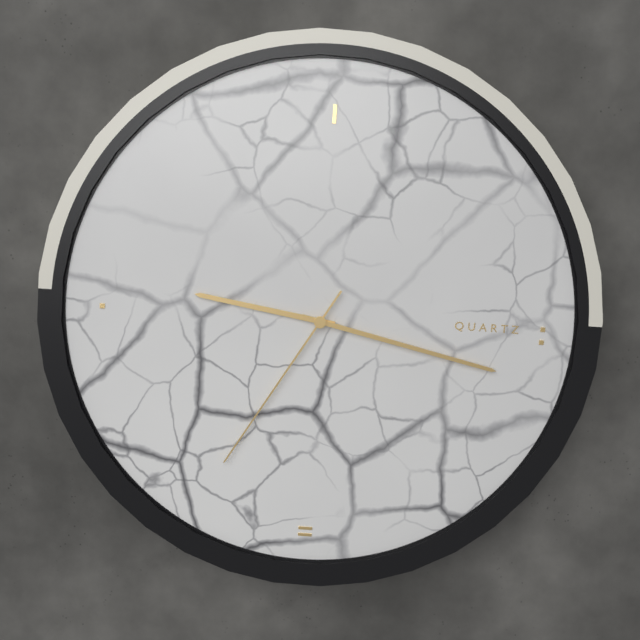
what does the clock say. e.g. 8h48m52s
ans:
9h17m35s
